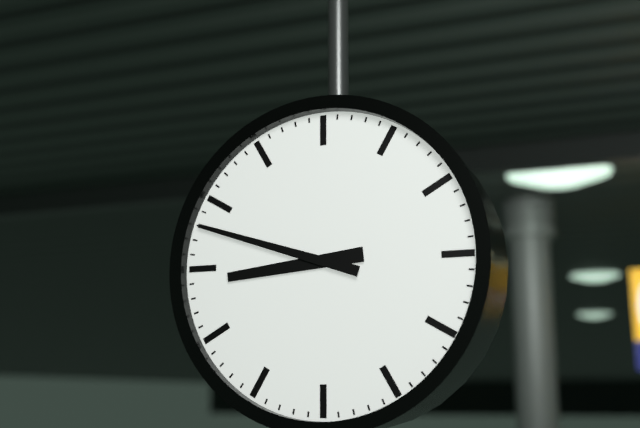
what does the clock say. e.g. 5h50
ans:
8h48
